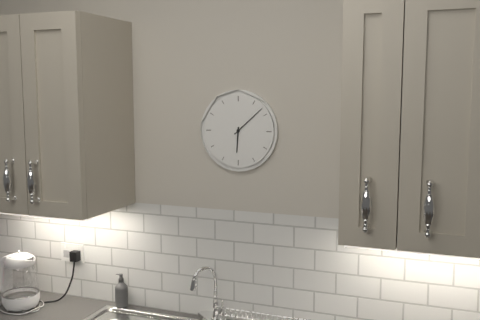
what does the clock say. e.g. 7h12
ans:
6h08
